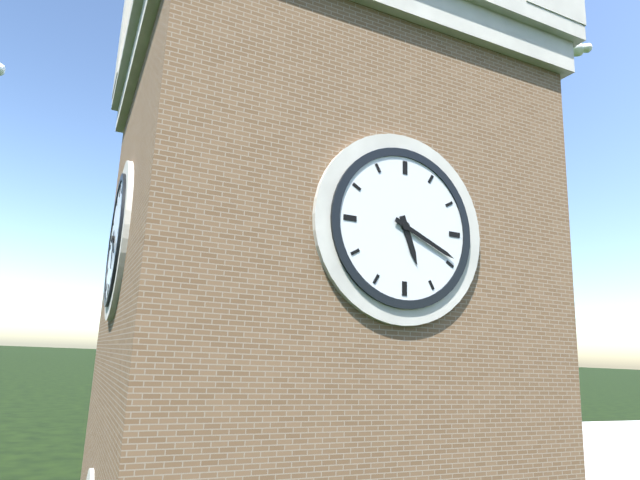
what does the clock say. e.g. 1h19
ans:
5h19
